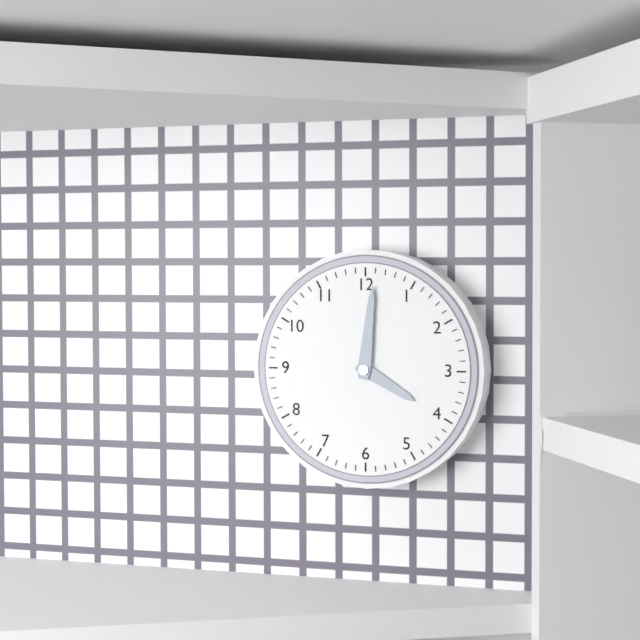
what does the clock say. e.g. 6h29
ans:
4h01
